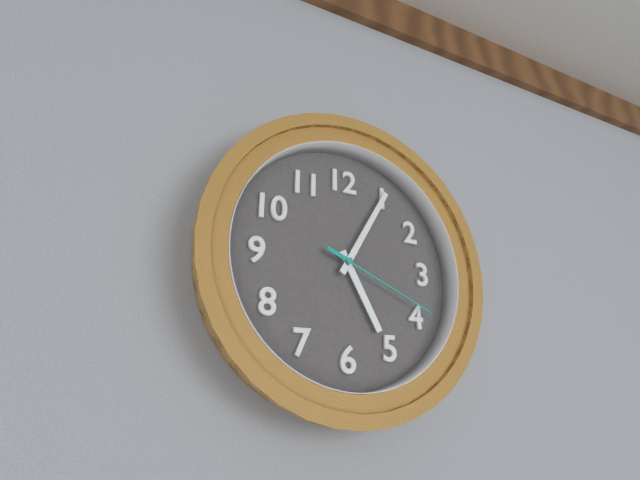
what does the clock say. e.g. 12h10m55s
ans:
5h05m19s
